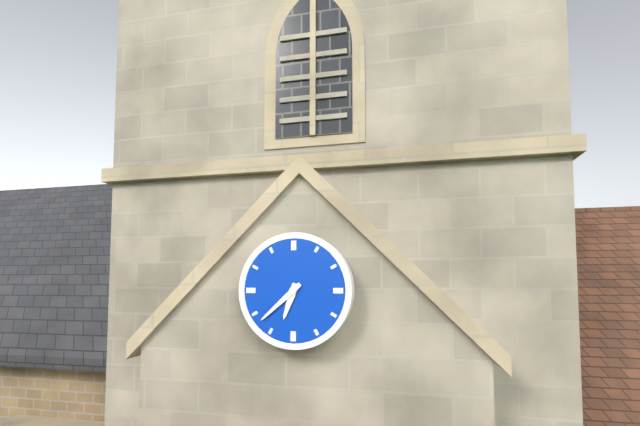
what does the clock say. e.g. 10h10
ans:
6h38
